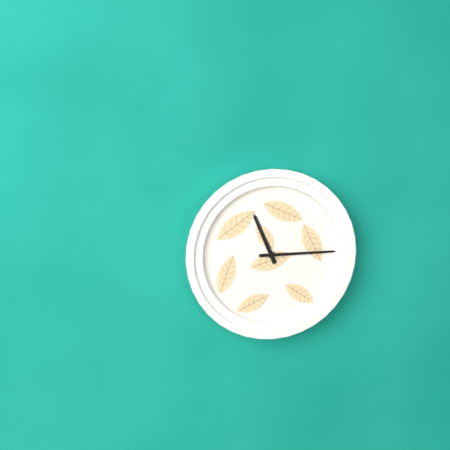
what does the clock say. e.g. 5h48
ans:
11h15
